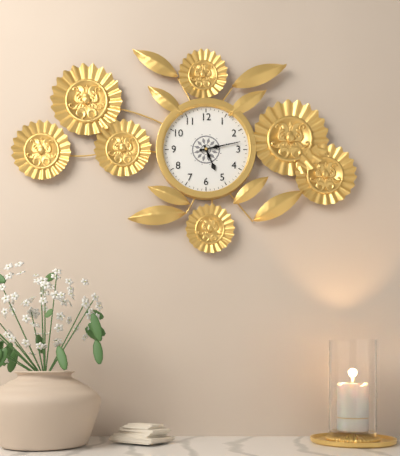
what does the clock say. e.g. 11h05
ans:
5h13
